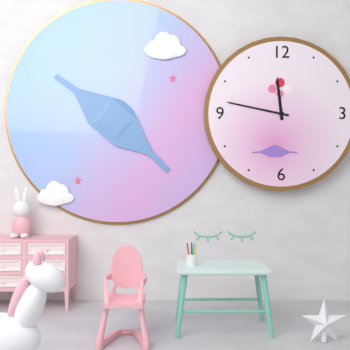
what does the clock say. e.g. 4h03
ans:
11h47
